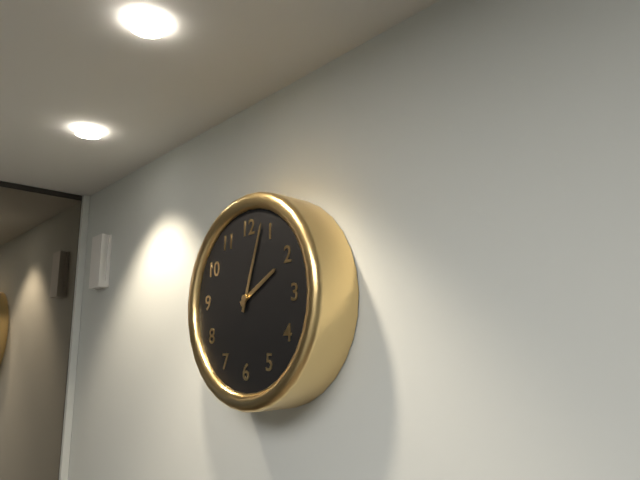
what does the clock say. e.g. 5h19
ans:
2h03
